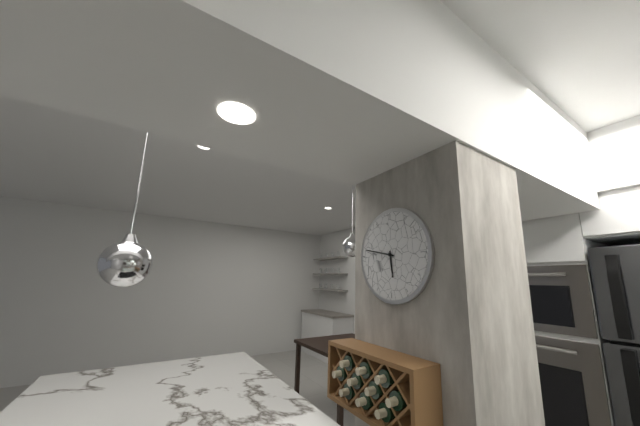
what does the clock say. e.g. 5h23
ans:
5h47
